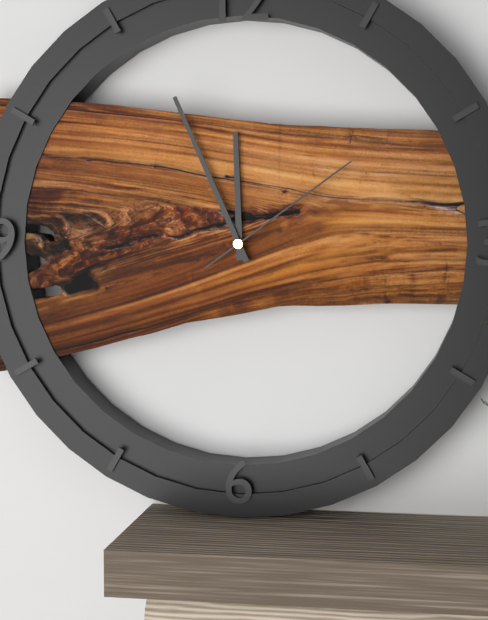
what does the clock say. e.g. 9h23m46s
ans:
11h56m09s
